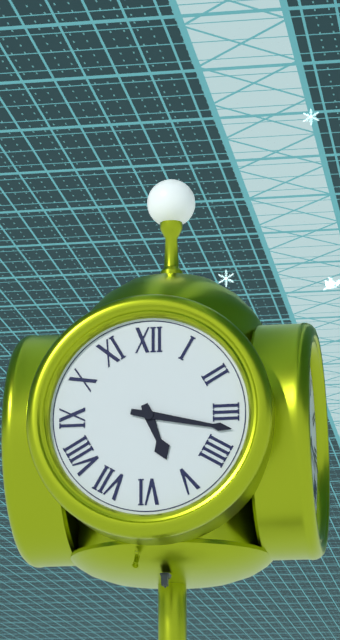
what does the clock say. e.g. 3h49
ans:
5h17
